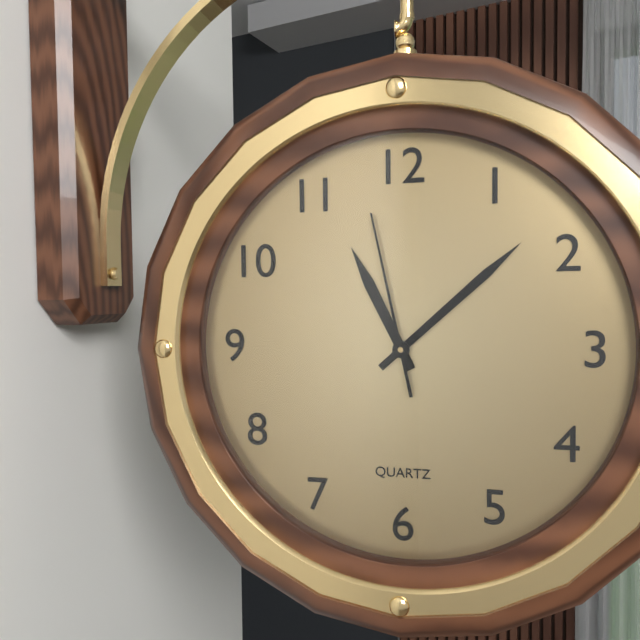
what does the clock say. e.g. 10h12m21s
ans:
11h08m58s
